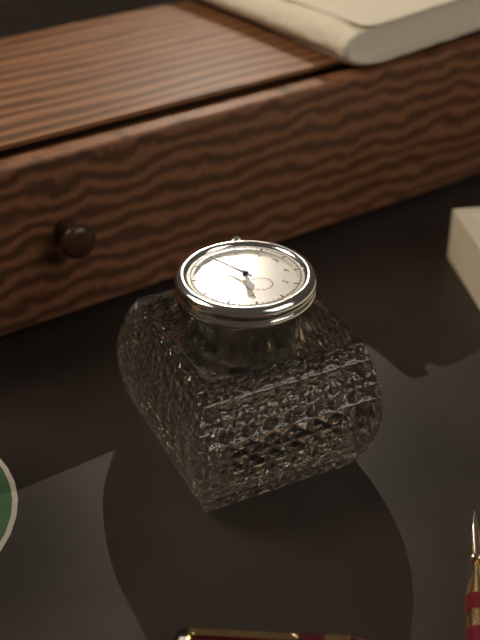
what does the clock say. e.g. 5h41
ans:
6h59
